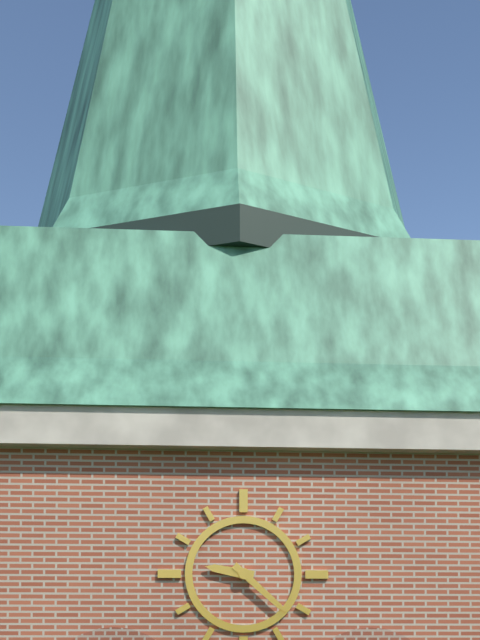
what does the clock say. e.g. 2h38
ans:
9h22
